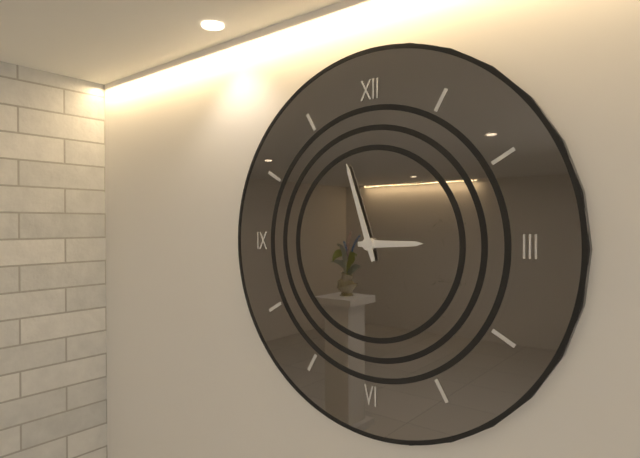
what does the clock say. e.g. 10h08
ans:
2h57
